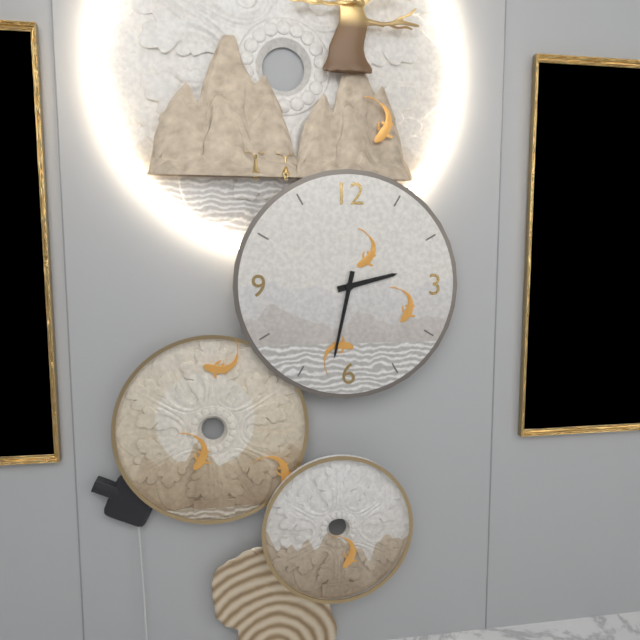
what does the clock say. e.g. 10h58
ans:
2h32
